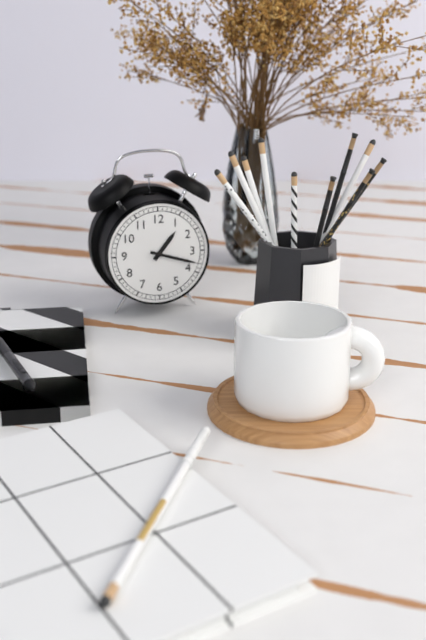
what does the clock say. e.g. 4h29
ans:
1h18
